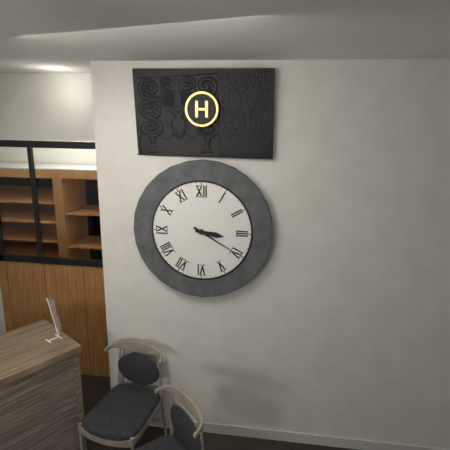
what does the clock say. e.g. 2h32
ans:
3h20
